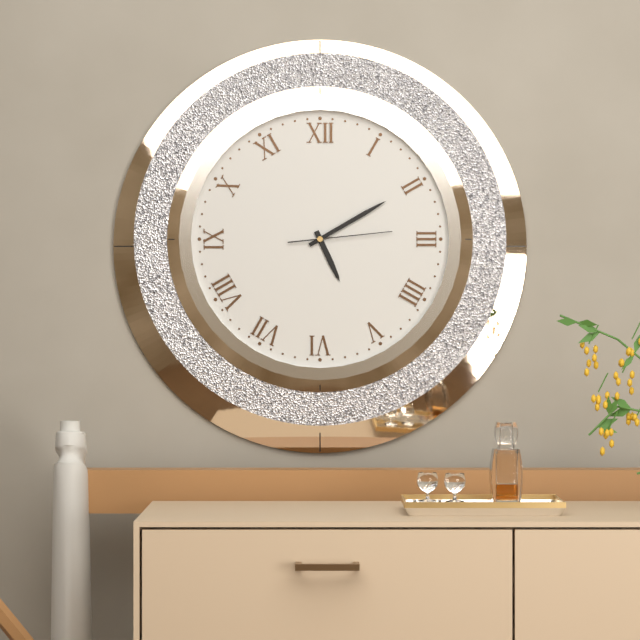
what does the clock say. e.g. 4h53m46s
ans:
5h10m14s
